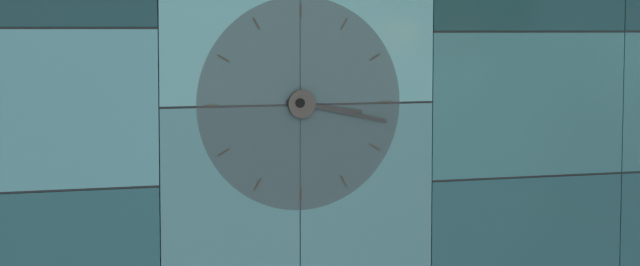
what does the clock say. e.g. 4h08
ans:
3h17
